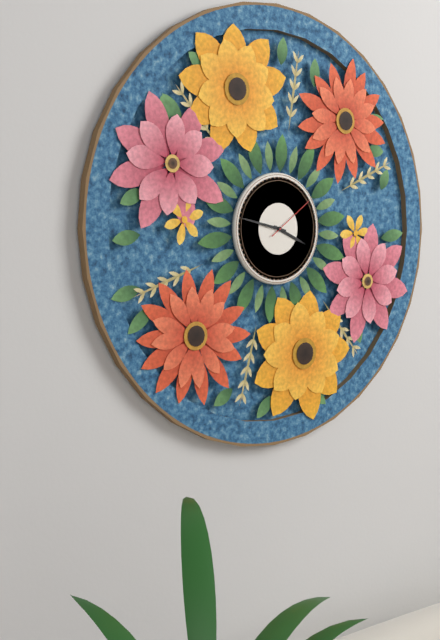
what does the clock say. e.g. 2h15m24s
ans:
3h47m09s
